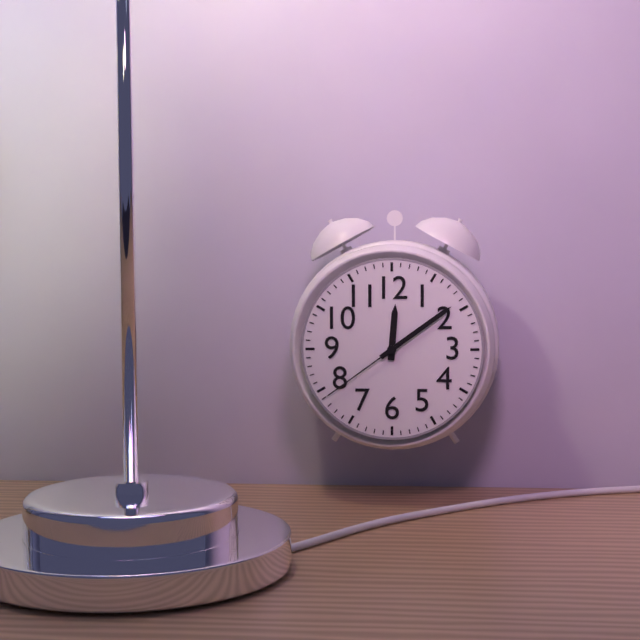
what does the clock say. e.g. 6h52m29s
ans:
12h09m39s
